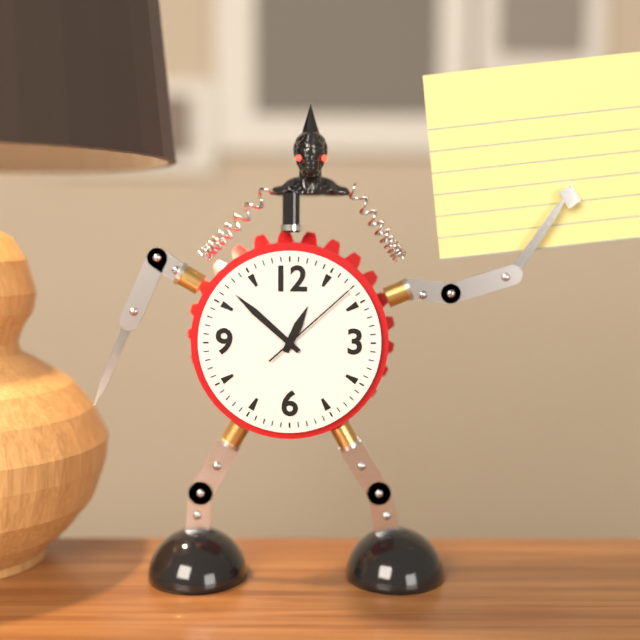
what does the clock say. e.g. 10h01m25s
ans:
12h52m08s
